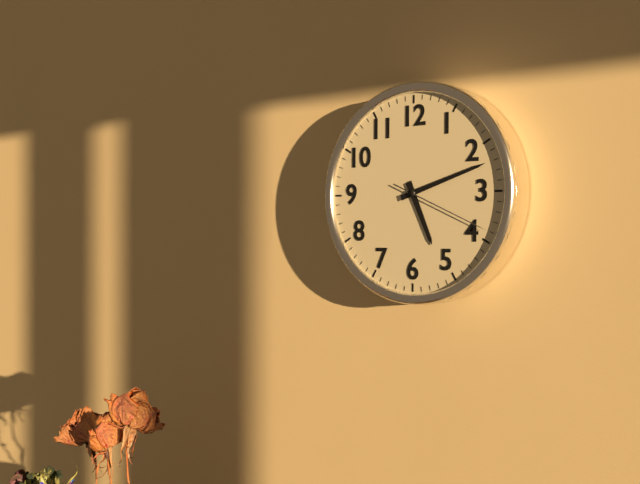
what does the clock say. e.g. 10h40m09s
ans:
5h12m19s
